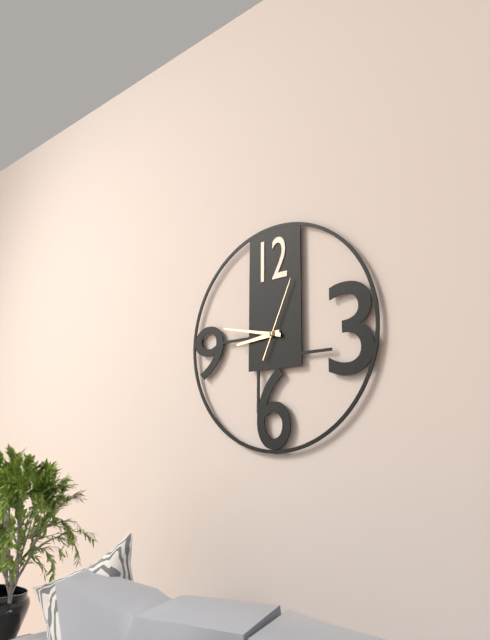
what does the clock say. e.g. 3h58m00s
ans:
8h47m04s
